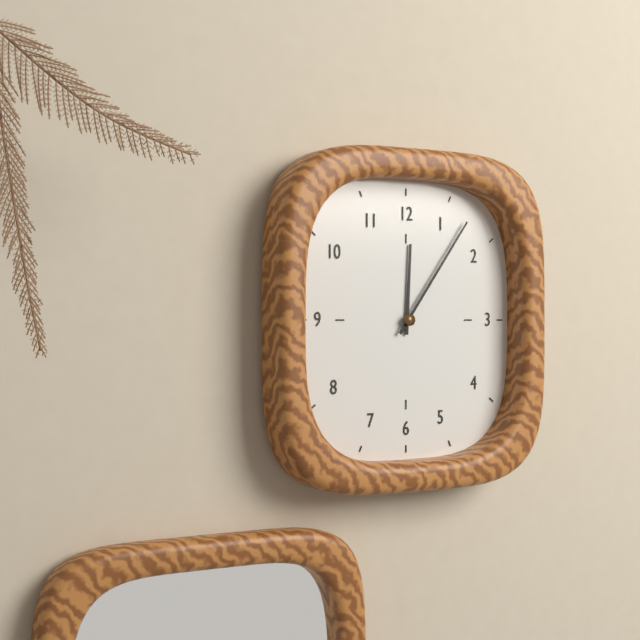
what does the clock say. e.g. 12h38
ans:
12h06
